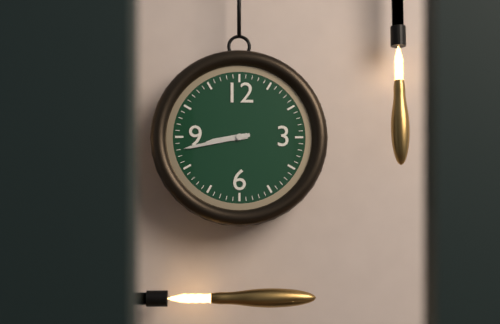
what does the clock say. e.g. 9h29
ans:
8h43
